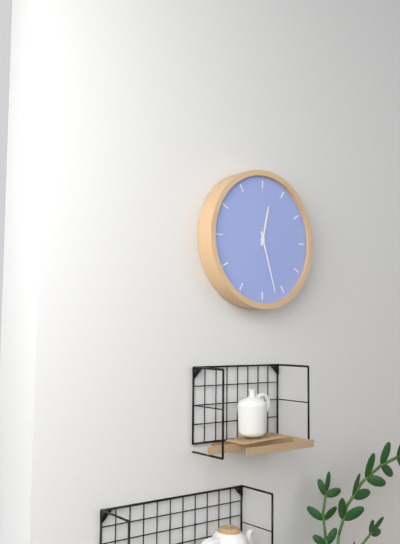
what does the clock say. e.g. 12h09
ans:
12h27
